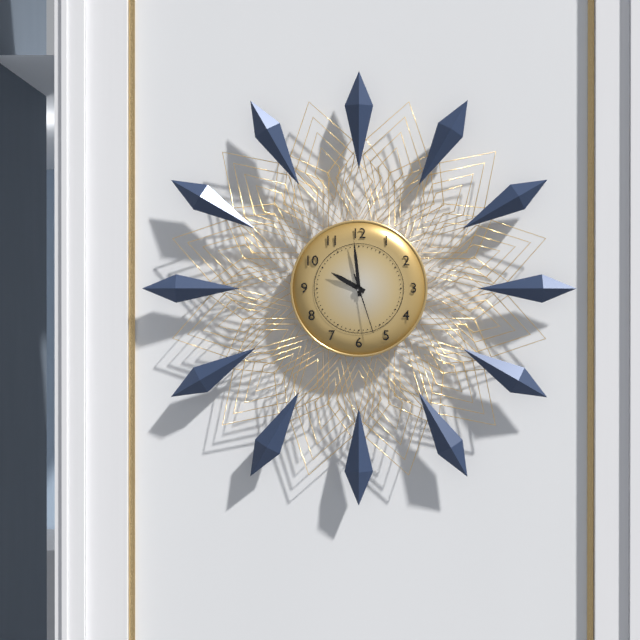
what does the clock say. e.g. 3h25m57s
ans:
9h59m27s
